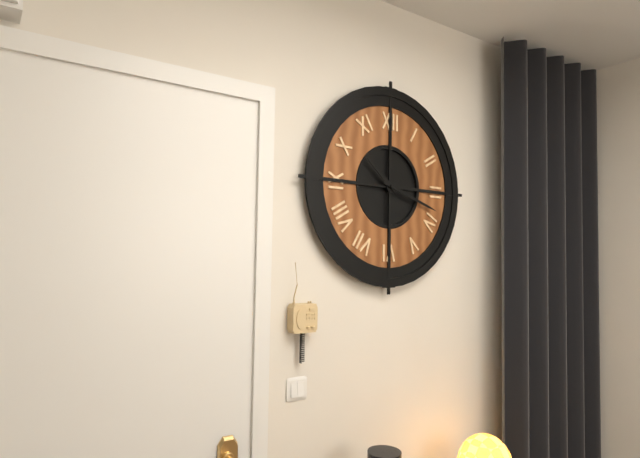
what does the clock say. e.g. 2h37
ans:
10h18
